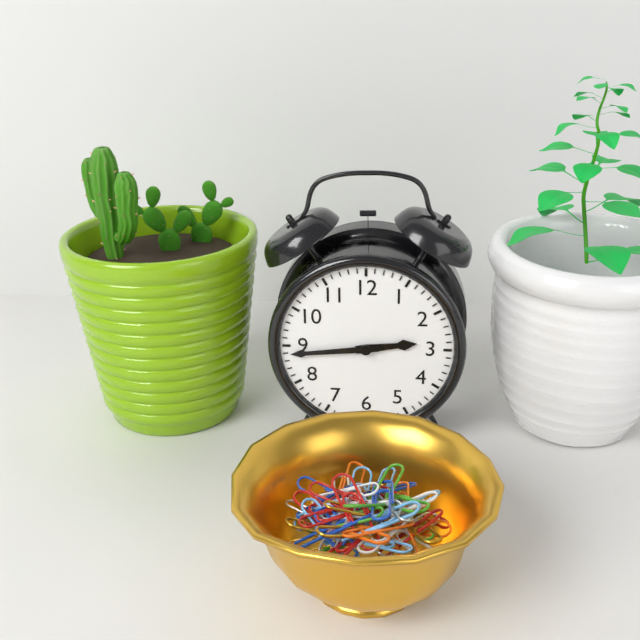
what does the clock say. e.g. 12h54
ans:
2h44
